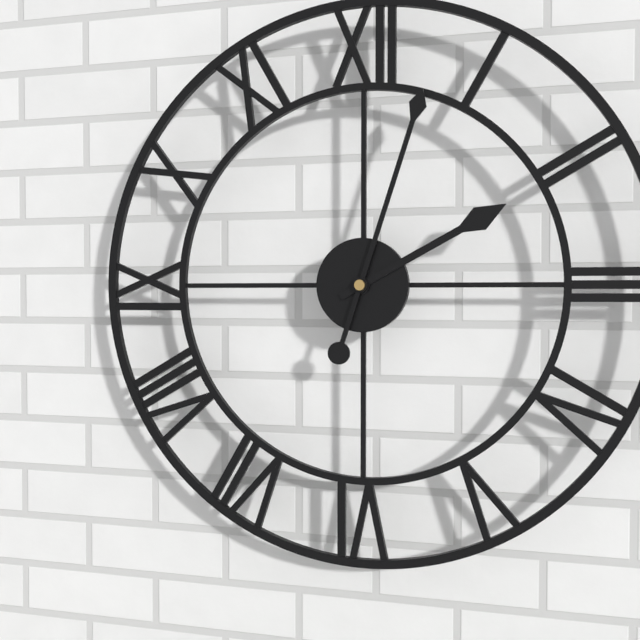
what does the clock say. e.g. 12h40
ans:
2h03
